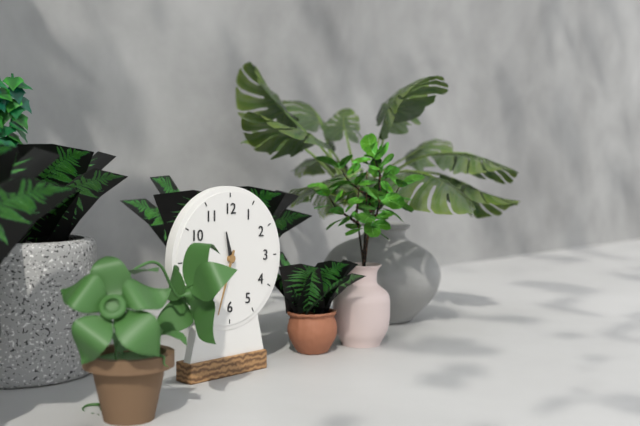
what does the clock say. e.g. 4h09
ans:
11h33
